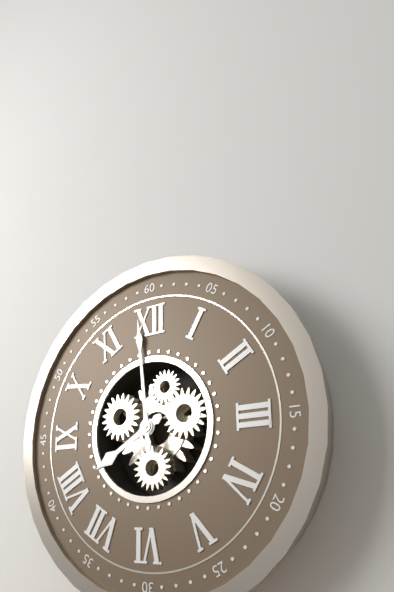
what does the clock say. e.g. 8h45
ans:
7h59
